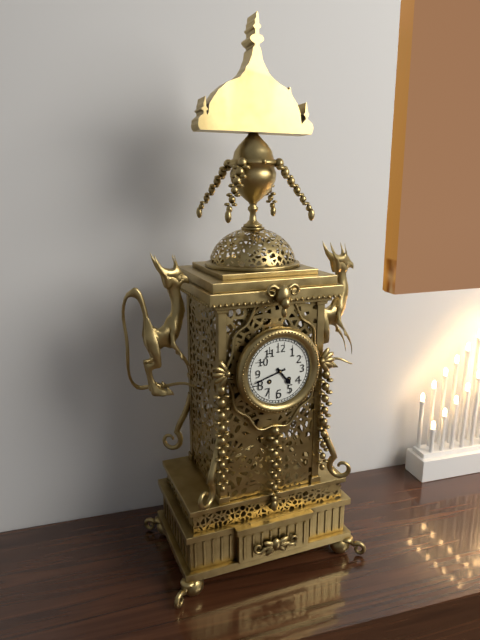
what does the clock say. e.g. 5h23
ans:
4h42
